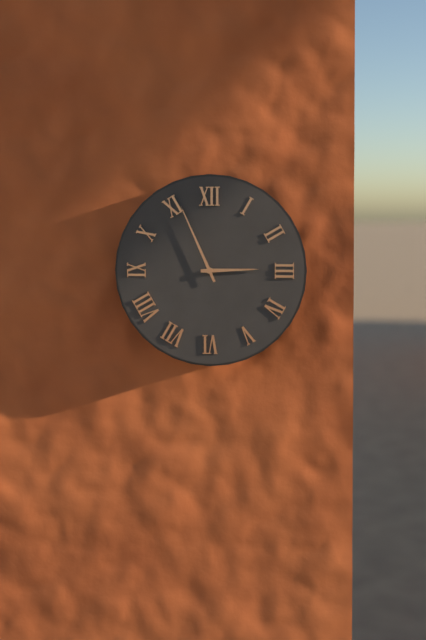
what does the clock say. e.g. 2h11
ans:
2h56
